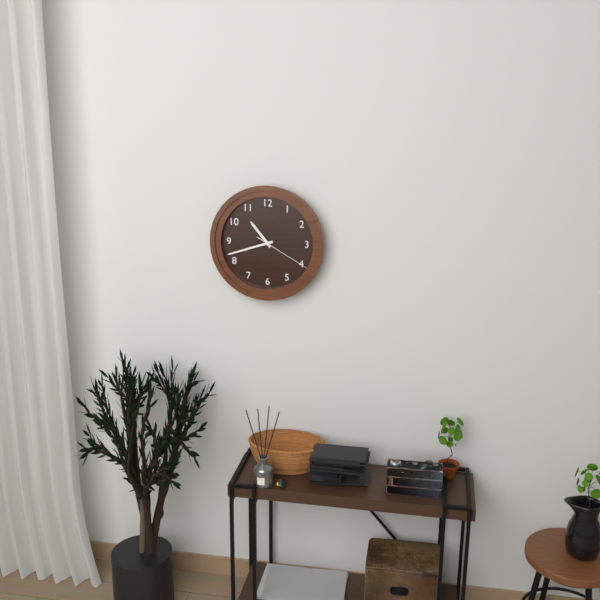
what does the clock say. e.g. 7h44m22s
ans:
10h42m20s
